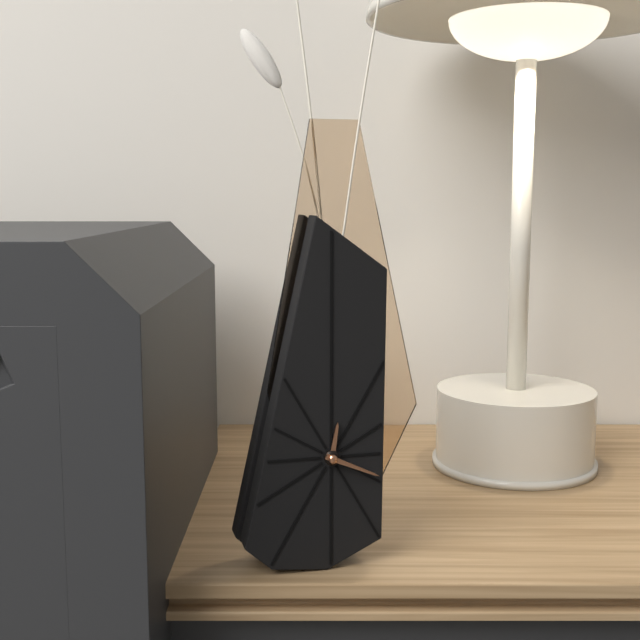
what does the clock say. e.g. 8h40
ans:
12h19
